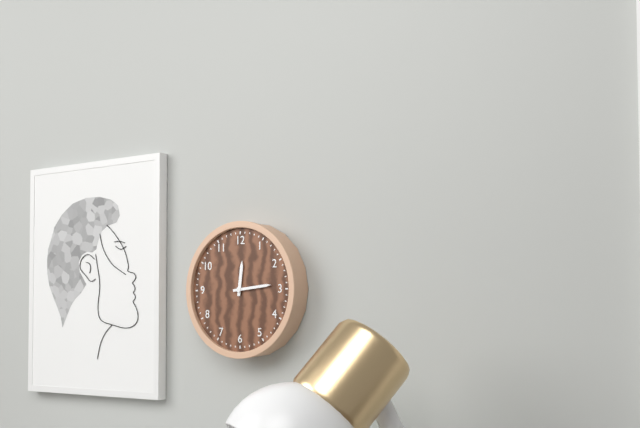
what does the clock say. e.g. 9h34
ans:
12h14
